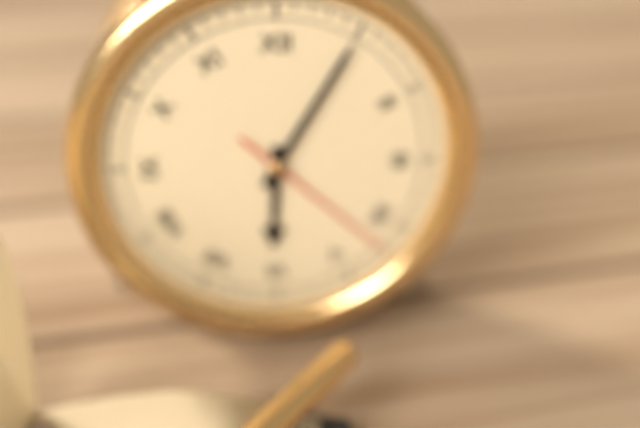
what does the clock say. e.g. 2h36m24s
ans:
6h05m22s
